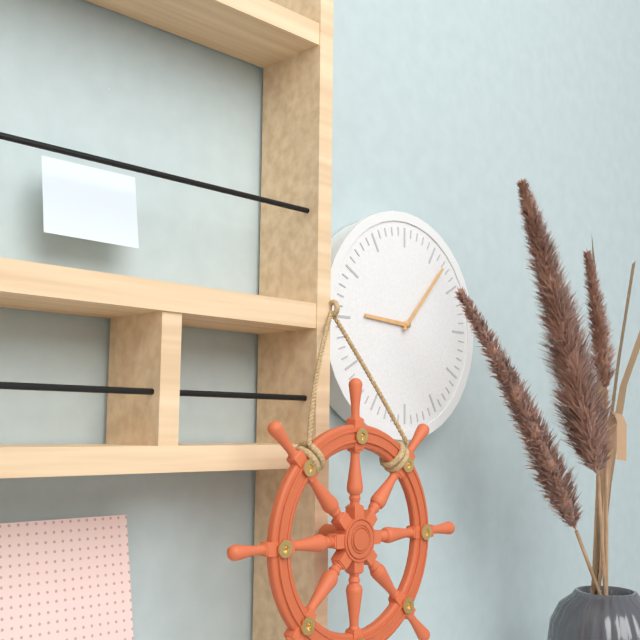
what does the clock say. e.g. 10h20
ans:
9h07
